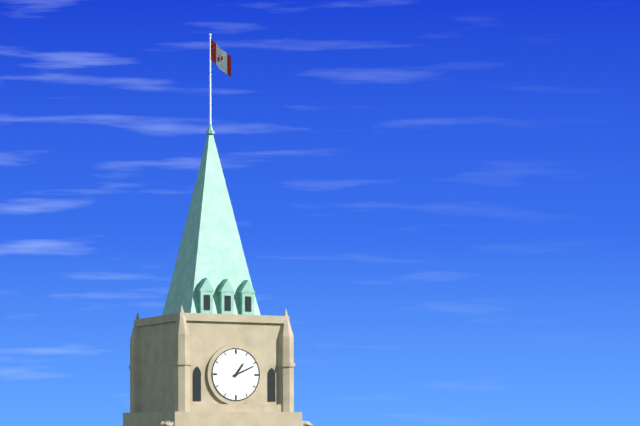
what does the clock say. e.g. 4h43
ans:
1h11
